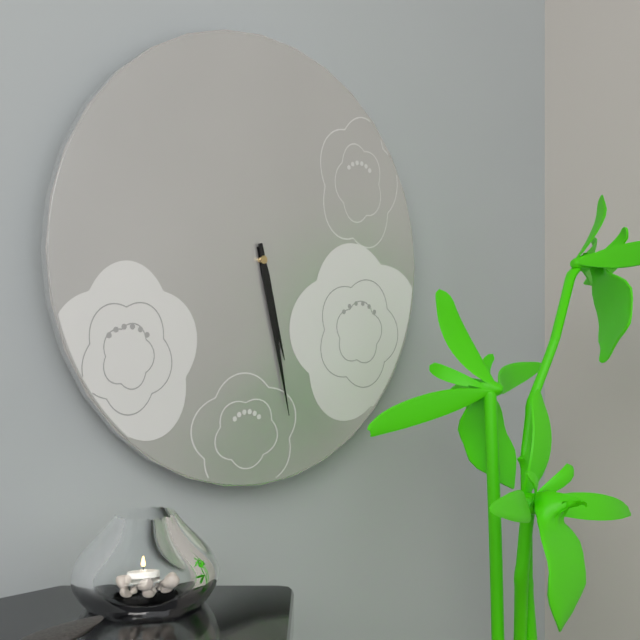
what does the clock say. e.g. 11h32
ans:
5h28
